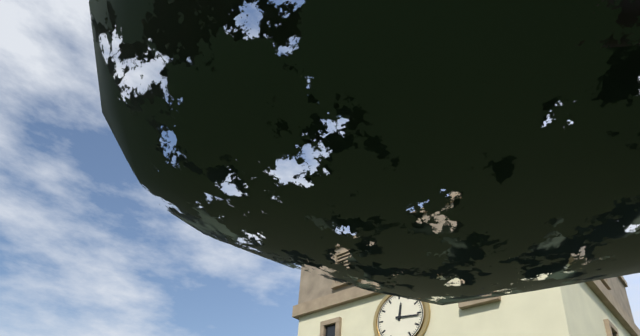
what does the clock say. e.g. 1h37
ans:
12h16
